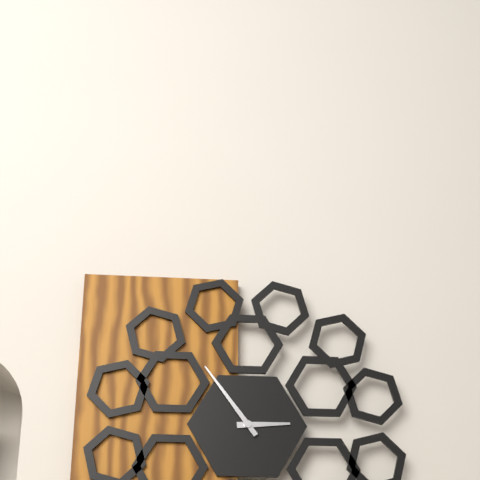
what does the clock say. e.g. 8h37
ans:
2h54
